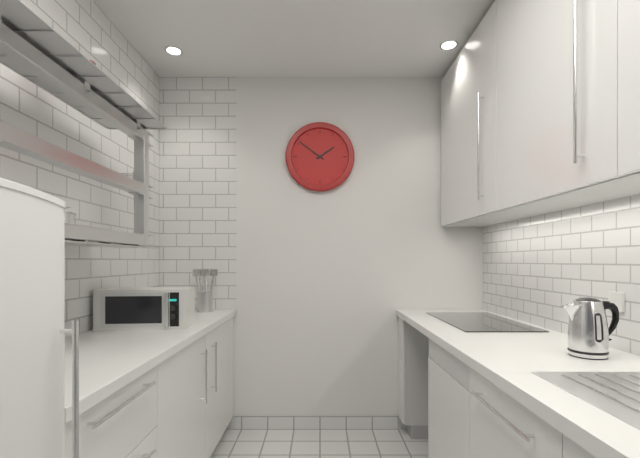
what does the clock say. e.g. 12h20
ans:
1h51
